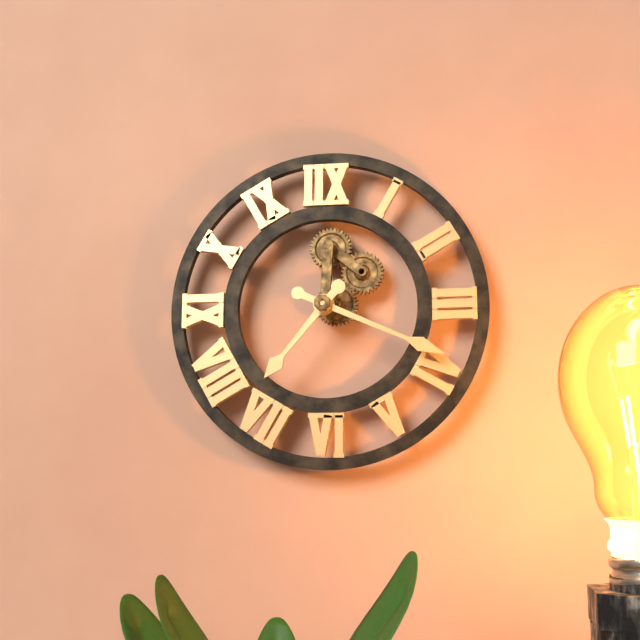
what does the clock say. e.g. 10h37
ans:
7h19
